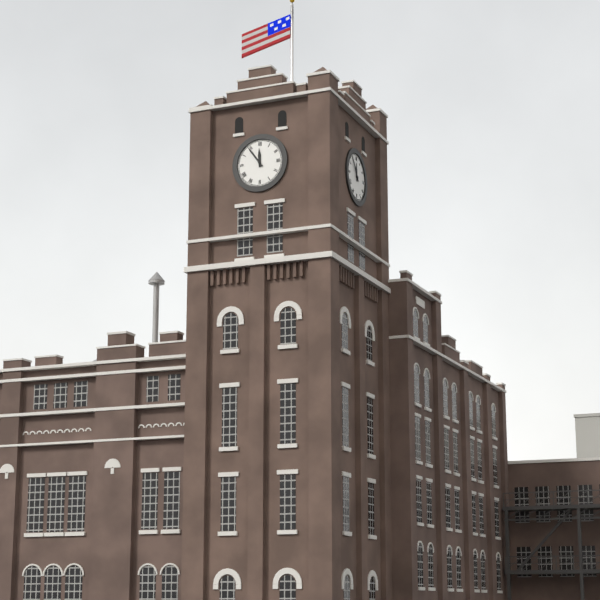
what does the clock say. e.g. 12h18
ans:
11h54
